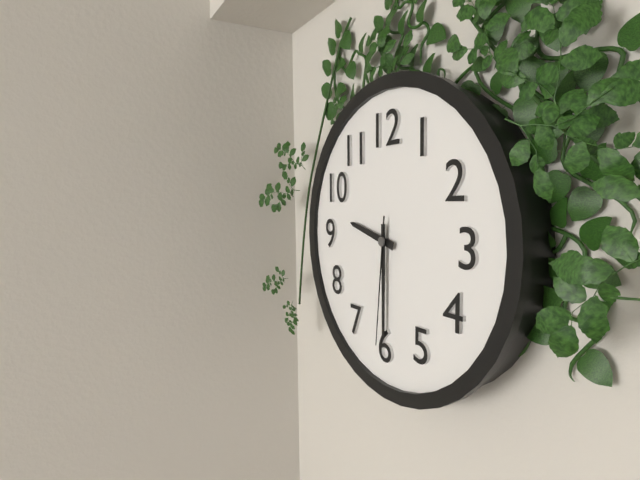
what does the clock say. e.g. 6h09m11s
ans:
9h30m31s
